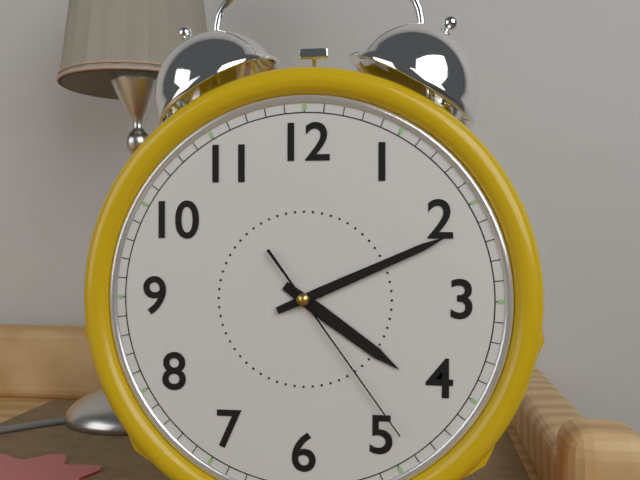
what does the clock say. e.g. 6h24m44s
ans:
4h11m24s
